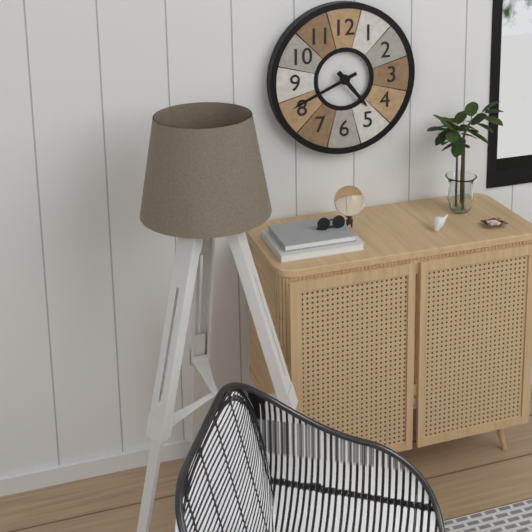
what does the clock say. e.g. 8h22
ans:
4h41
